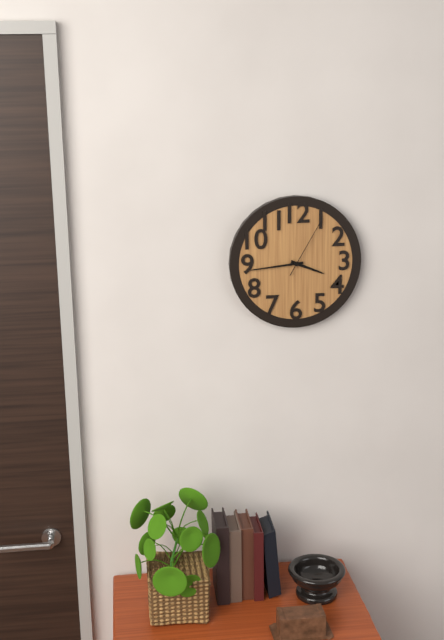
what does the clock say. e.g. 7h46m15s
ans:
3h44m05s
